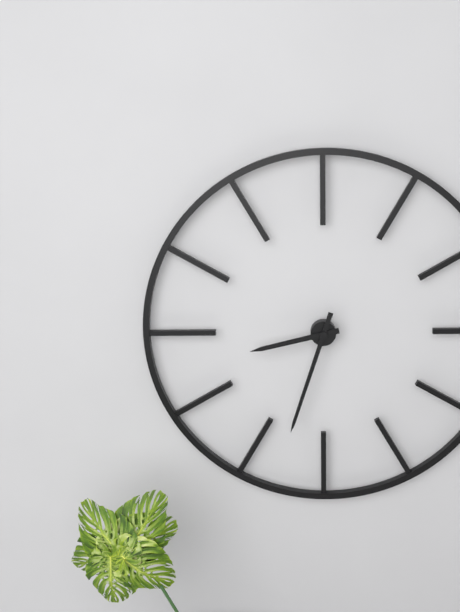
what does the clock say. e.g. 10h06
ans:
8h33
